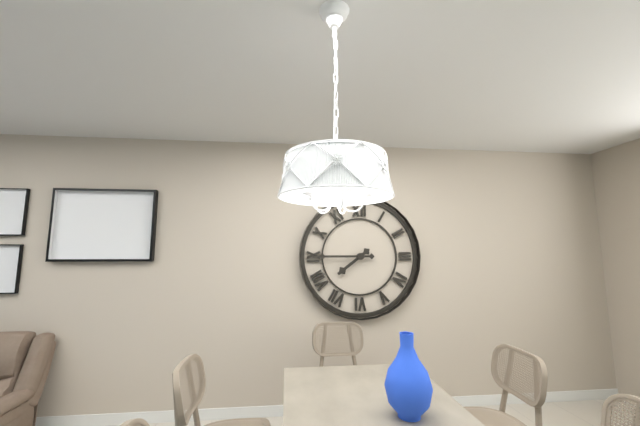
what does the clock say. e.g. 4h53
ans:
7h45
